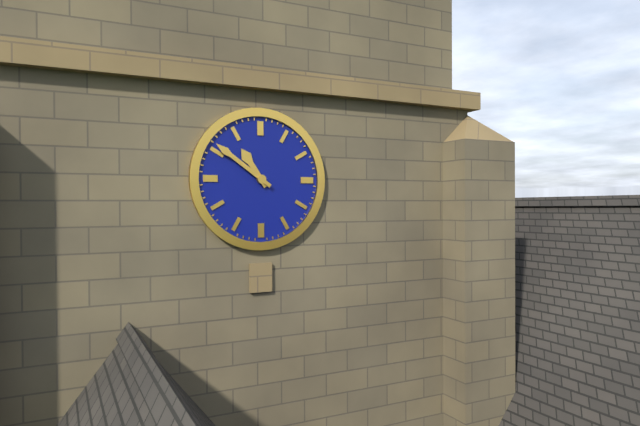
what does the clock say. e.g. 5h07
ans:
10h51
